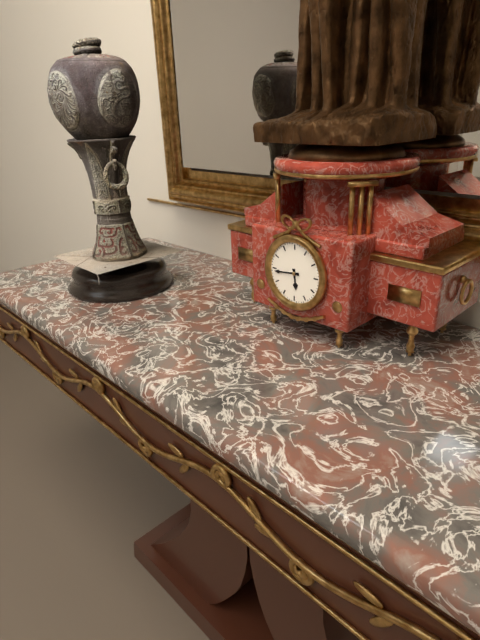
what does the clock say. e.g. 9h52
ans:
5h44
